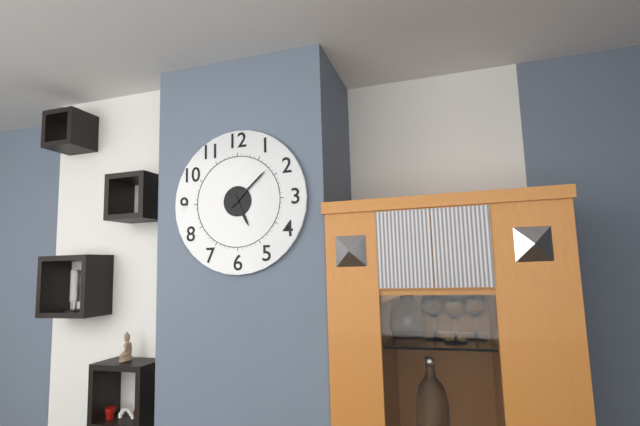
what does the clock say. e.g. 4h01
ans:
5h08
